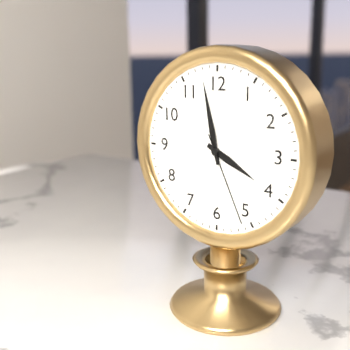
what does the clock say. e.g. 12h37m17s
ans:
3h58m26s
